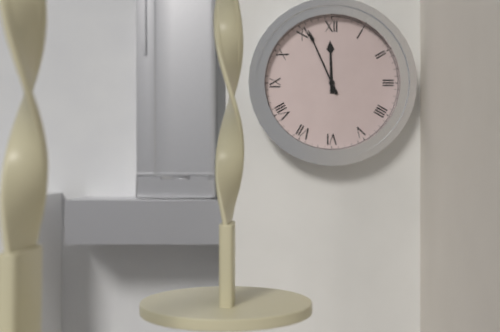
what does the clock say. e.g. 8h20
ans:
11h56
